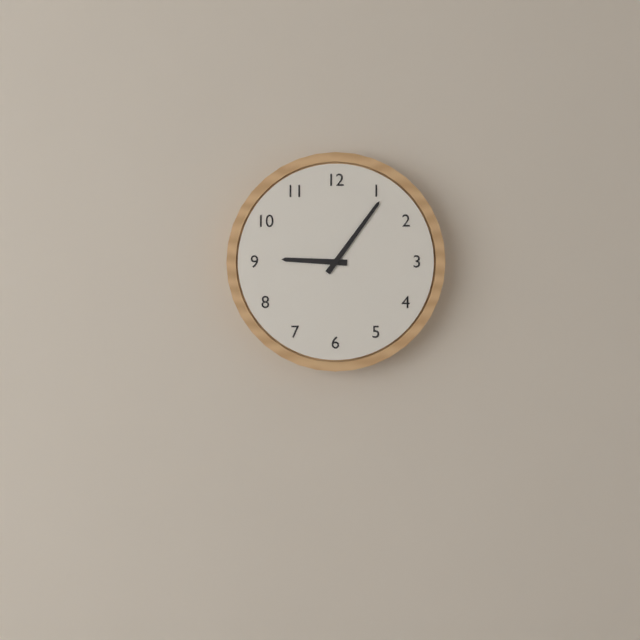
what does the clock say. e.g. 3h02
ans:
9h06
